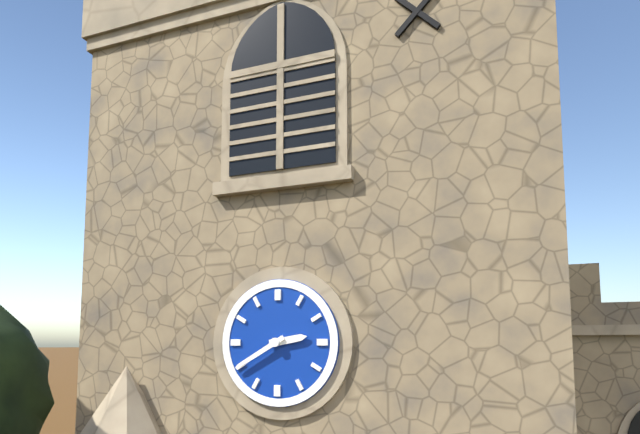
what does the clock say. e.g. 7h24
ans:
2h40
